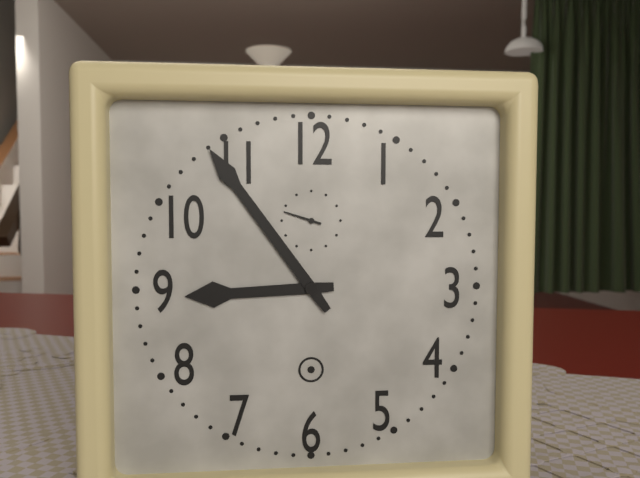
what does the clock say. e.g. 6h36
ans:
8h54
